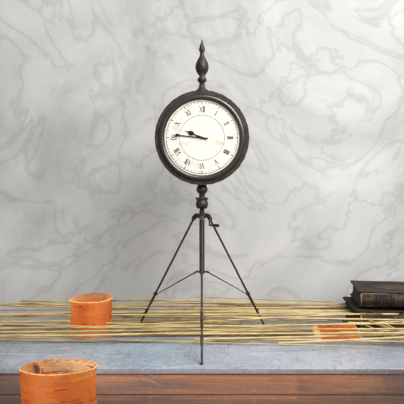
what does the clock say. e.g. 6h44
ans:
9h46
